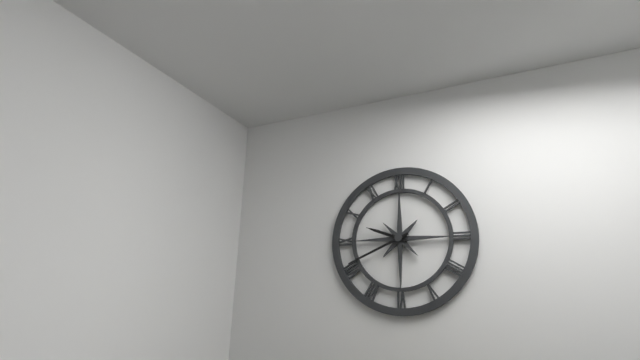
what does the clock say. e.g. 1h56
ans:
9h41
